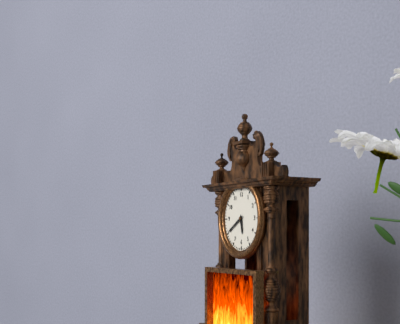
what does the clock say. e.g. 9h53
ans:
5h40
